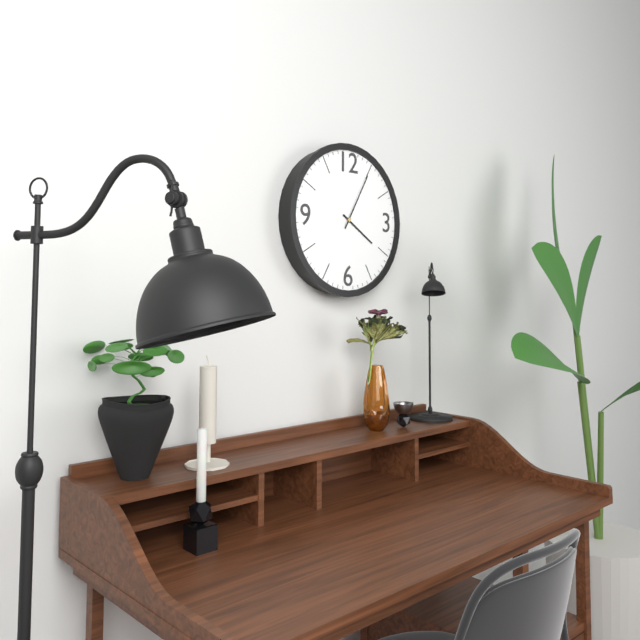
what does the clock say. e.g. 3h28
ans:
4h05
